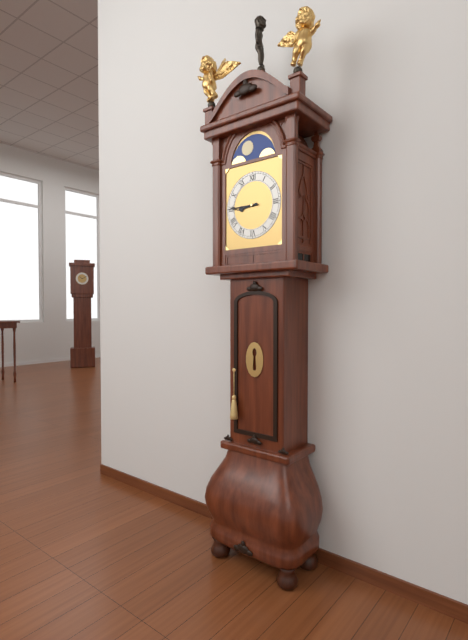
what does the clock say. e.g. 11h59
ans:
8h45
